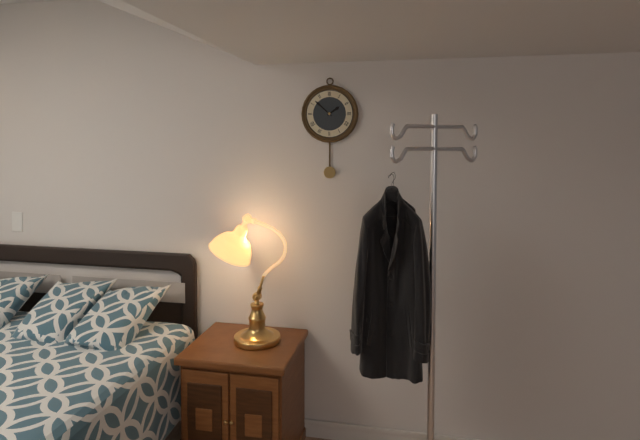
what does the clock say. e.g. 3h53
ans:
1h52
